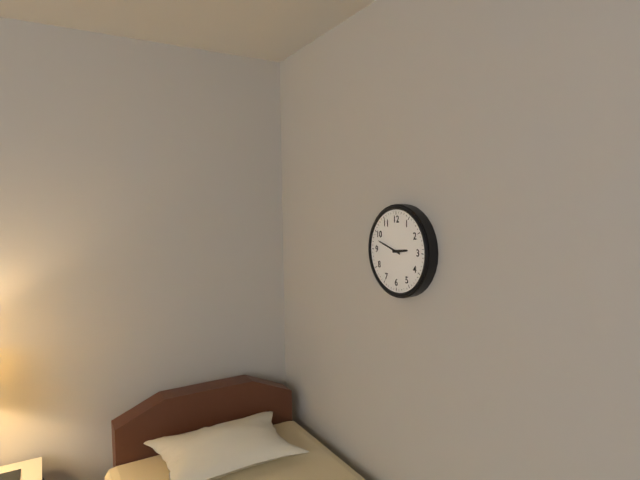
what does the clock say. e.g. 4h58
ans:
2h48
